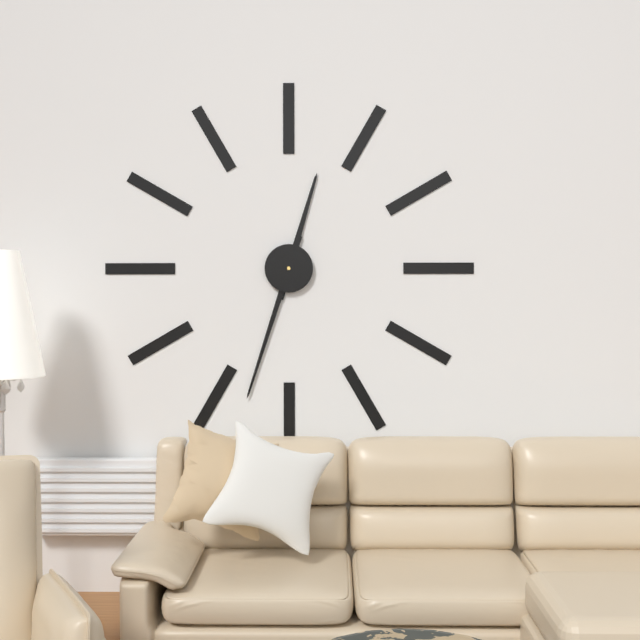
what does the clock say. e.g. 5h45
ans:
12h33
